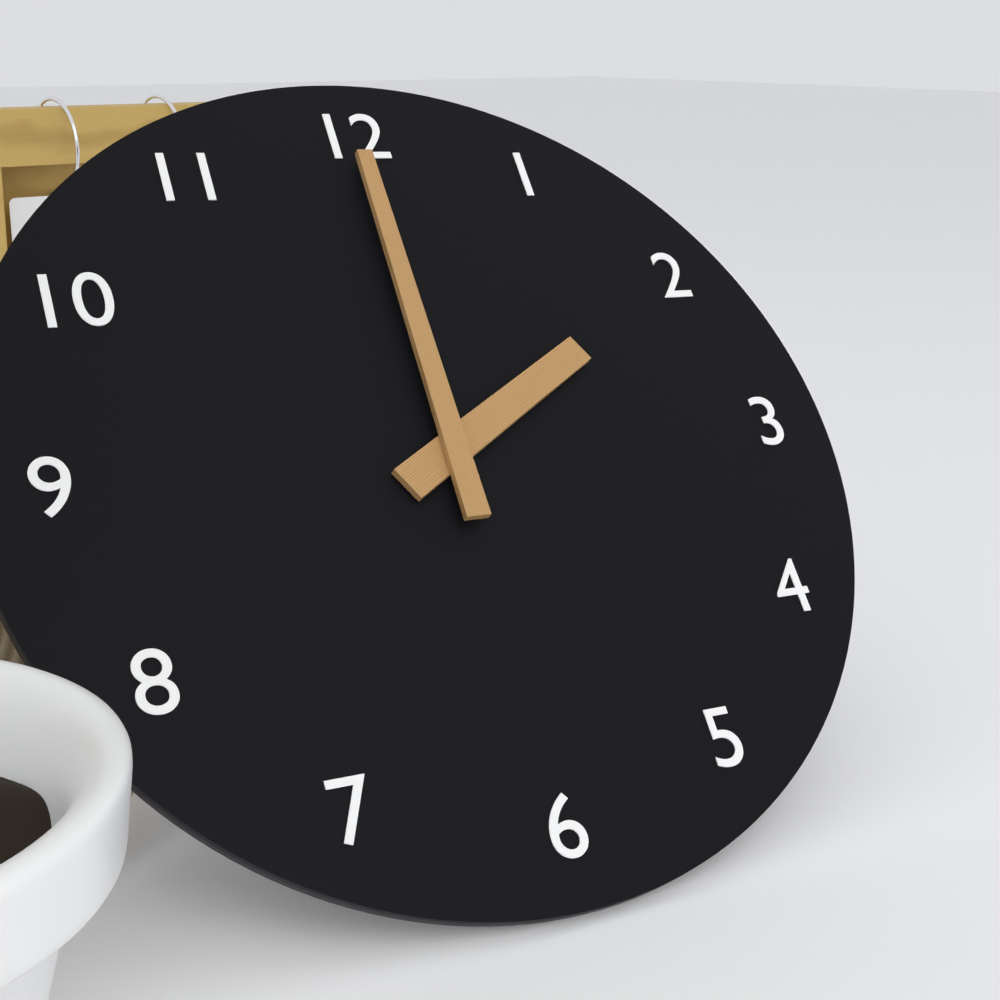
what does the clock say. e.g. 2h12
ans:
2h00
